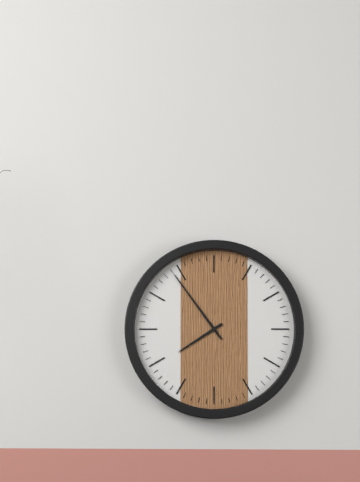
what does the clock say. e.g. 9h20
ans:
7h54
